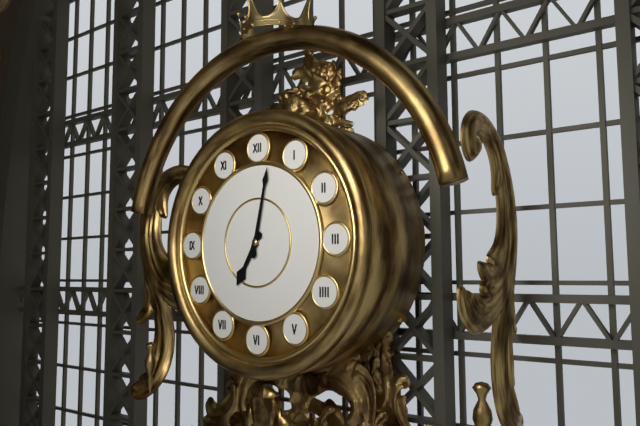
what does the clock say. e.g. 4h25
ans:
7h02
